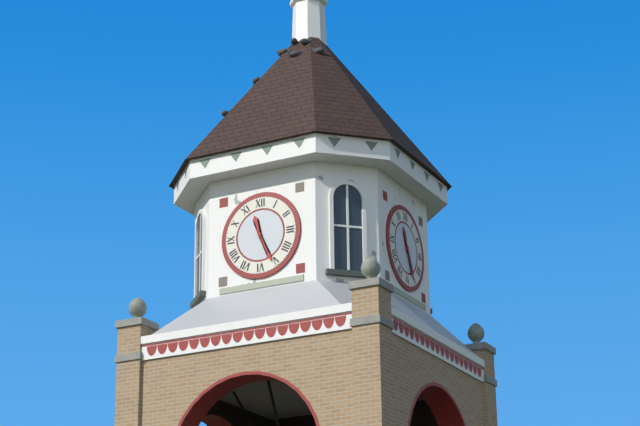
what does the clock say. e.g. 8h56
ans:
11h26
